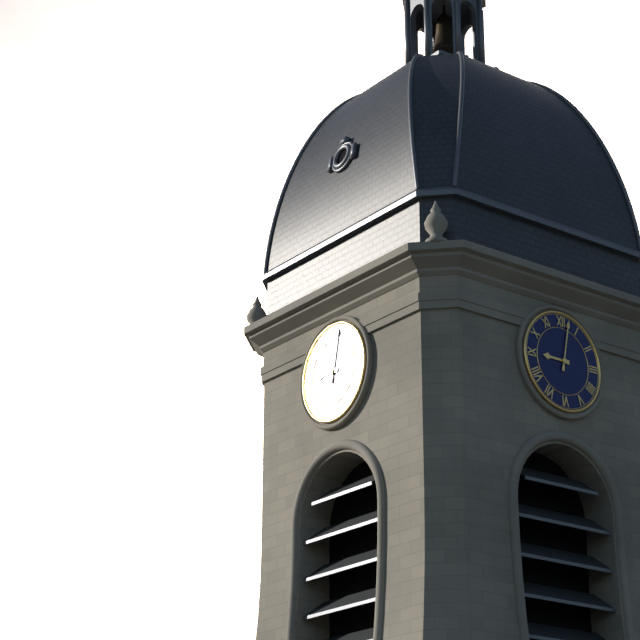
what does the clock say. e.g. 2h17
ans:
9h02
